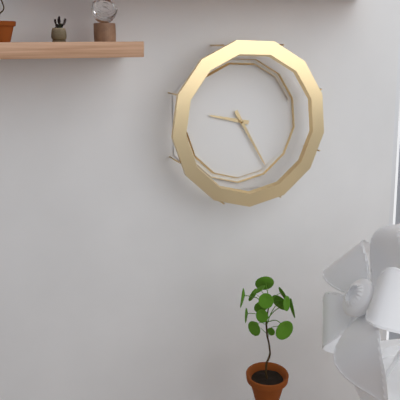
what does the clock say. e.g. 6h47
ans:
9h25
